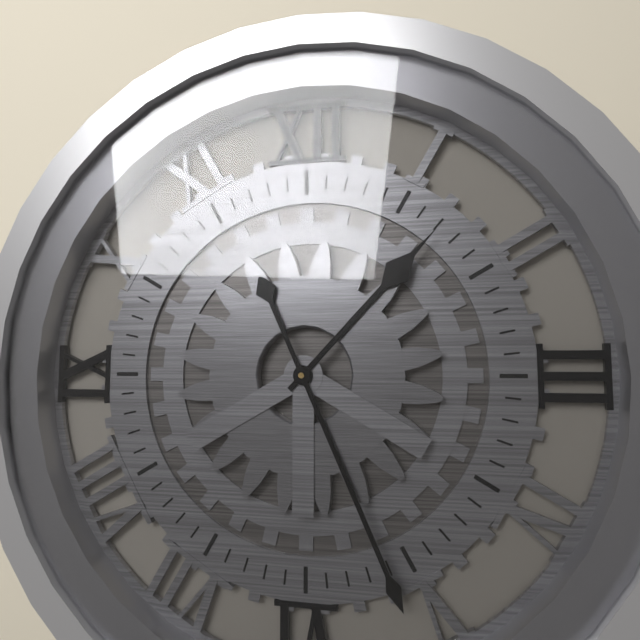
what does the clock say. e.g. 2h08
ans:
1h26
